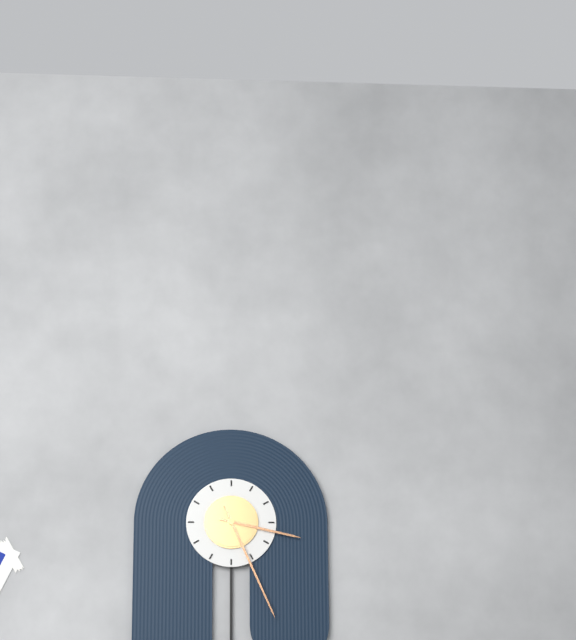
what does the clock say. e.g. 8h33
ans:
3h26
